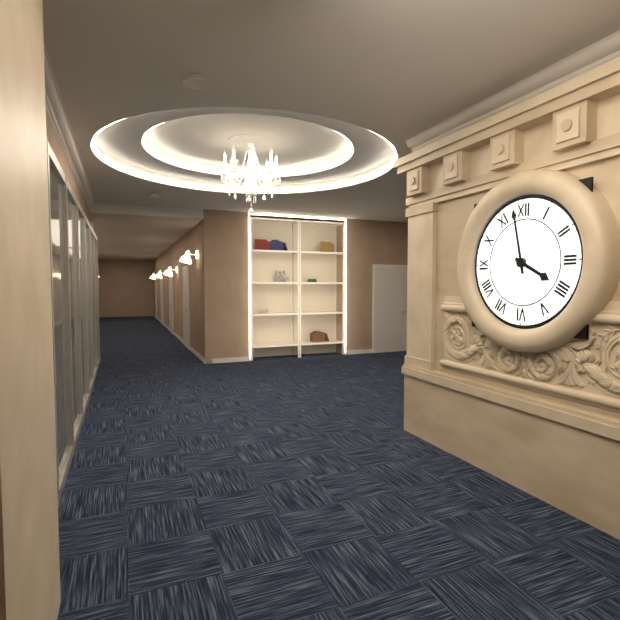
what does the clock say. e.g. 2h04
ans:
3h58
